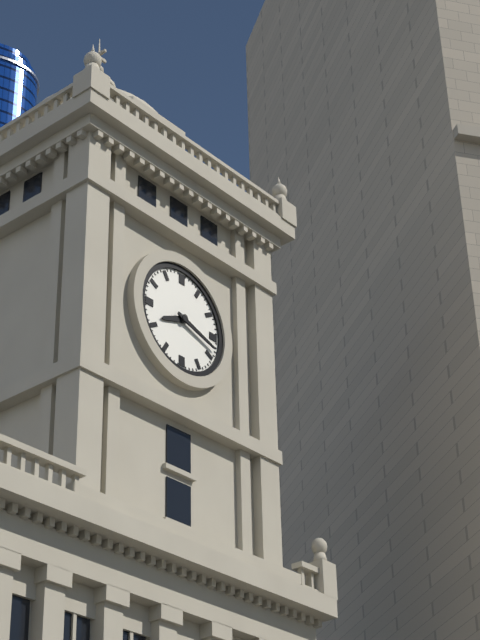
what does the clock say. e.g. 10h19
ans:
8h18
